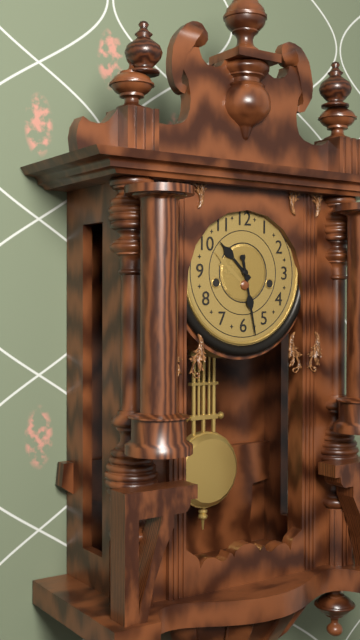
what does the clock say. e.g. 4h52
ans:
10h28
